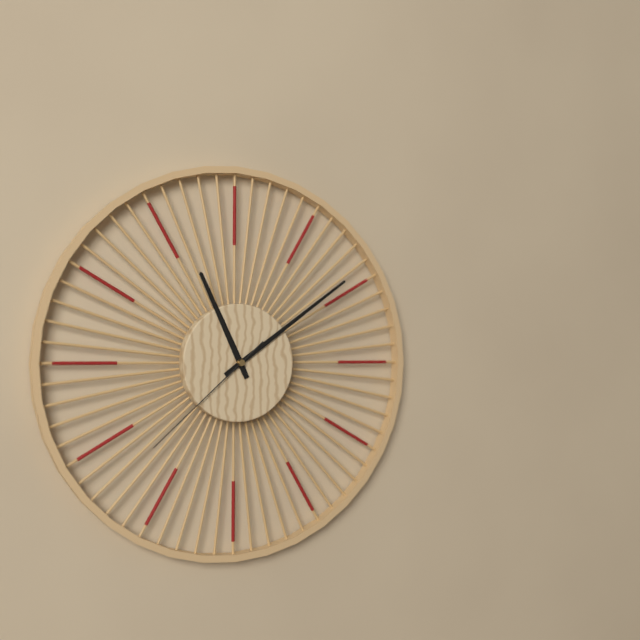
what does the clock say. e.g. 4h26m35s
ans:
11h09m38s
